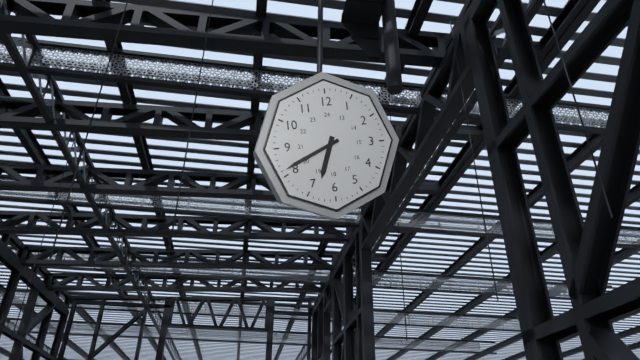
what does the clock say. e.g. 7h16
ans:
6h41
